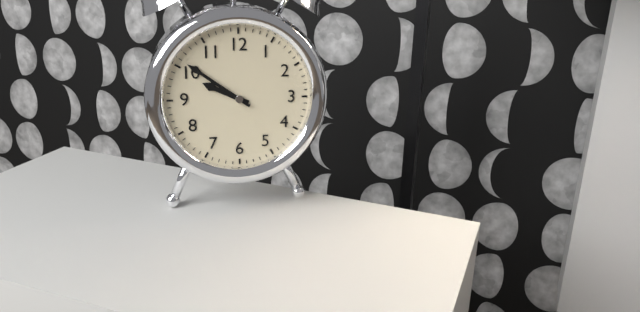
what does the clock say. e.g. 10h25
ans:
9h51
